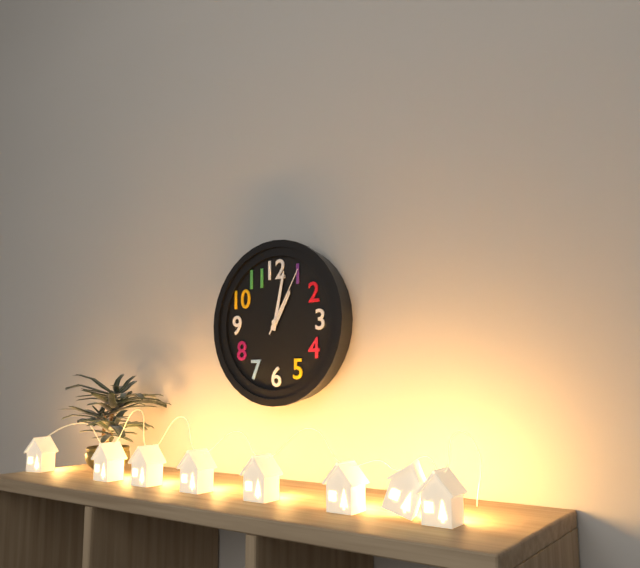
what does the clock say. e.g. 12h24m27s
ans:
1h02m05s
